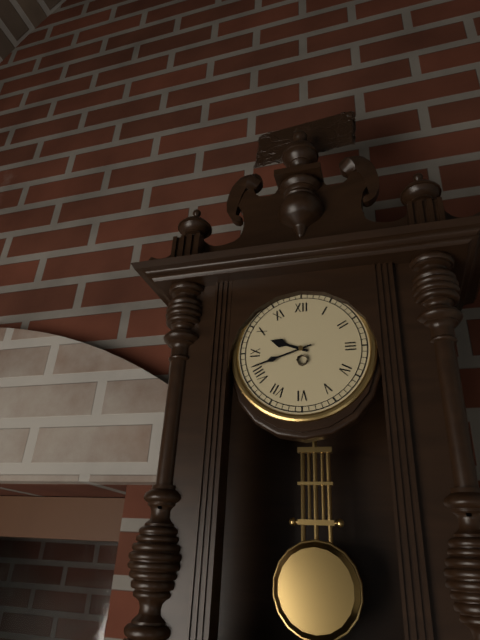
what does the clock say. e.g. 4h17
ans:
9h42
